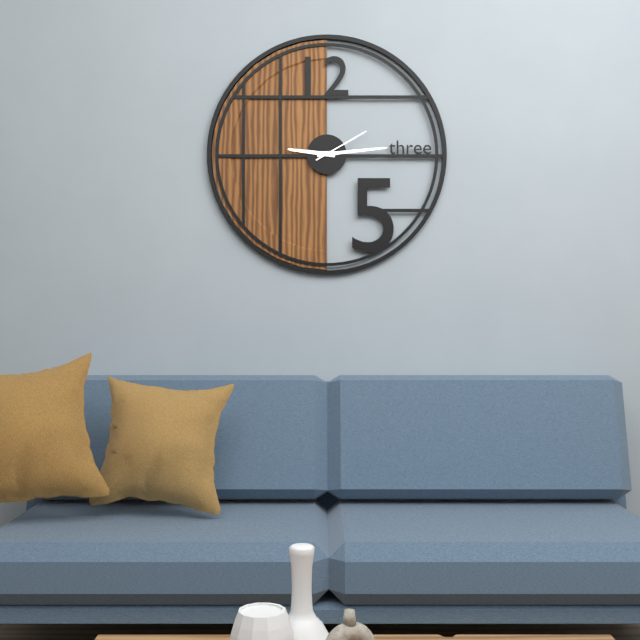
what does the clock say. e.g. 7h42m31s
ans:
9h14m10s
